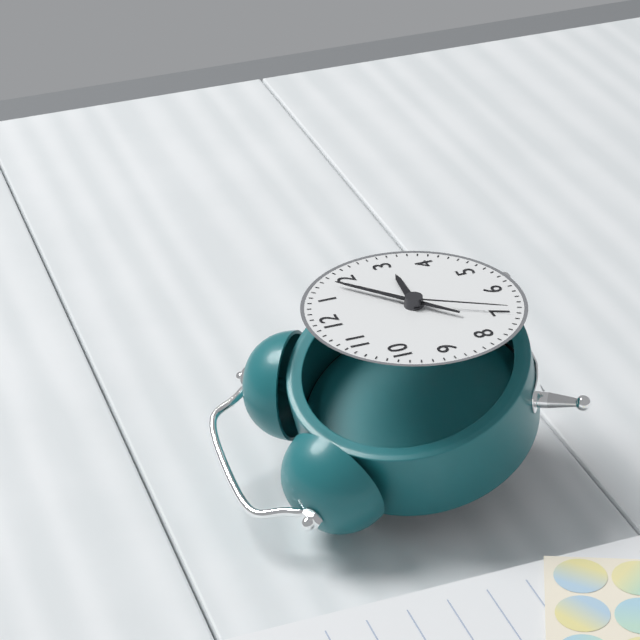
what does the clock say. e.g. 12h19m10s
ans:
3h08m35s
